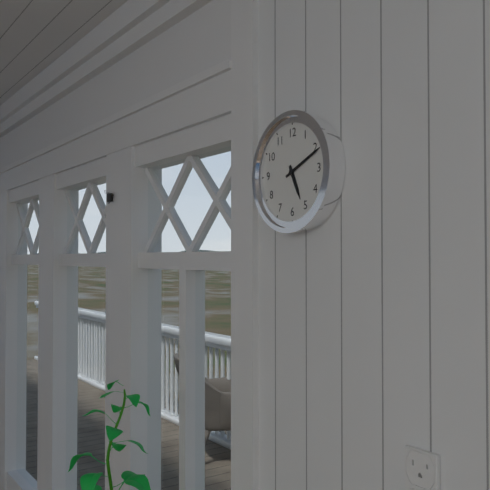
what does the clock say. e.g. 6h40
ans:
5h11
